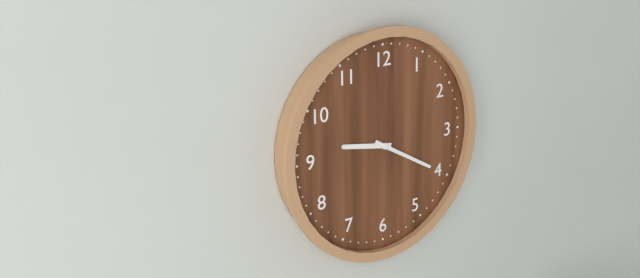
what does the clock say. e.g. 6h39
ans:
9h20
